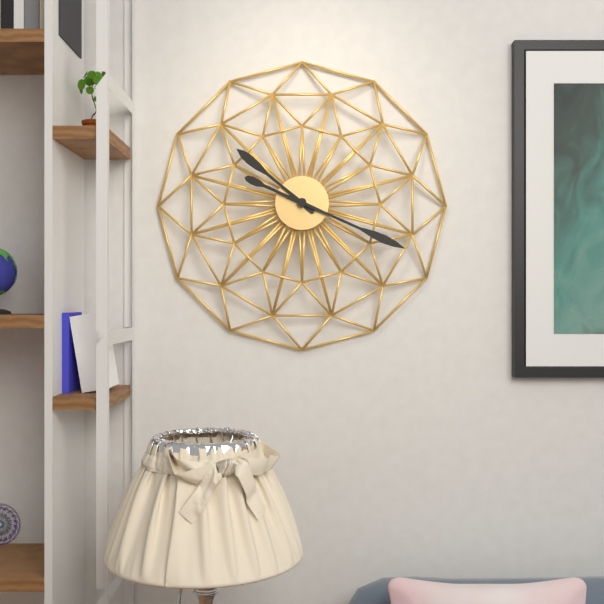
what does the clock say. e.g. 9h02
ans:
10h19
